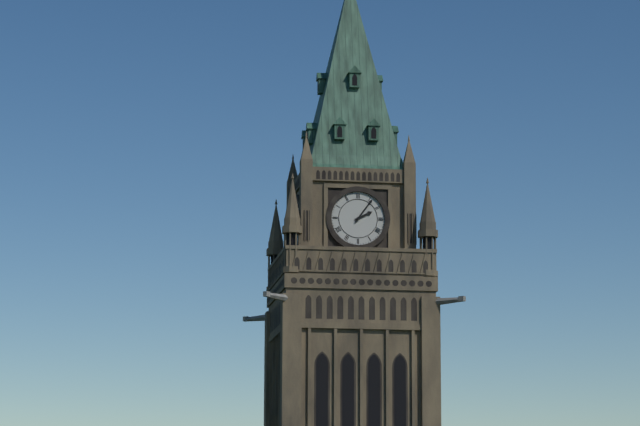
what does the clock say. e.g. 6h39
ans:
2h06
